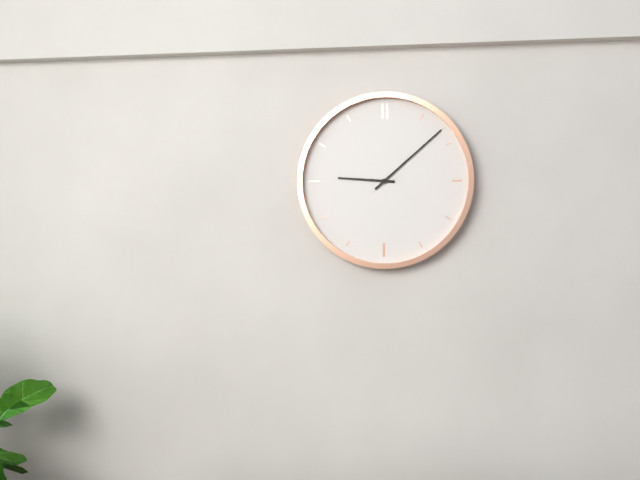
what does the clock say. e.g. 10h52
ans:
9h08
